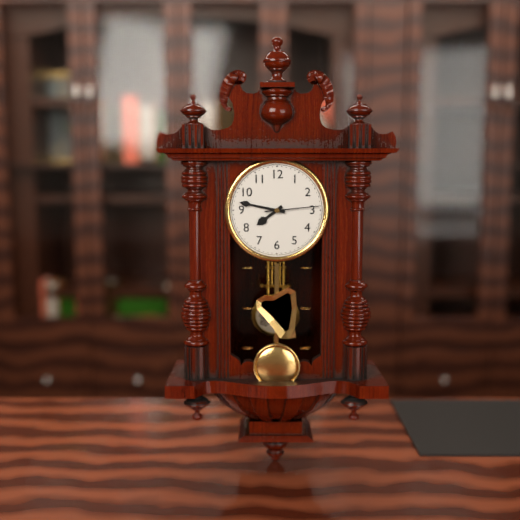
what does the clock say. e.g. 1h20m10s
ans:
7h47m14s
